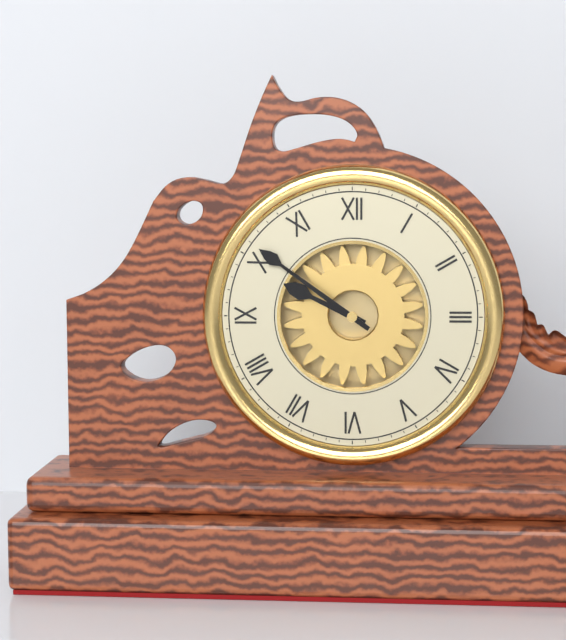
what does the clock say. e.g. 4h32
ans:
9h51
